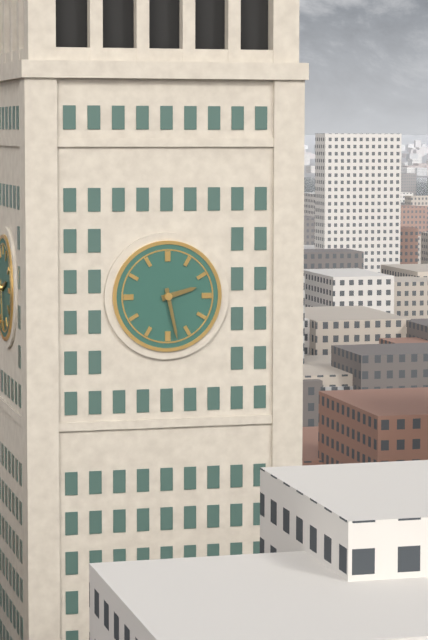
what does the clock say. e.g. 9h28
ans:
2h28
